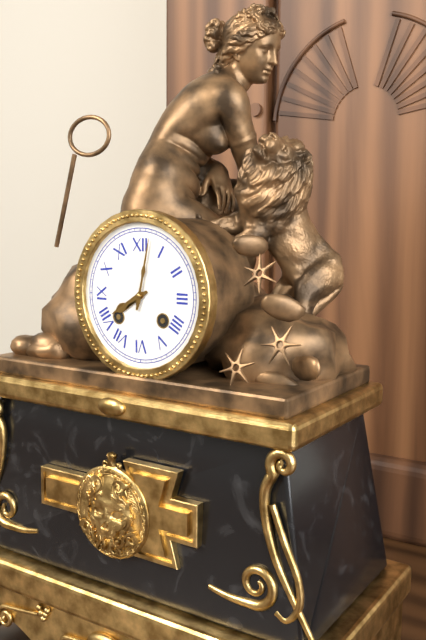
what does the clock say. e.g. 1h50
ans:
8h02
